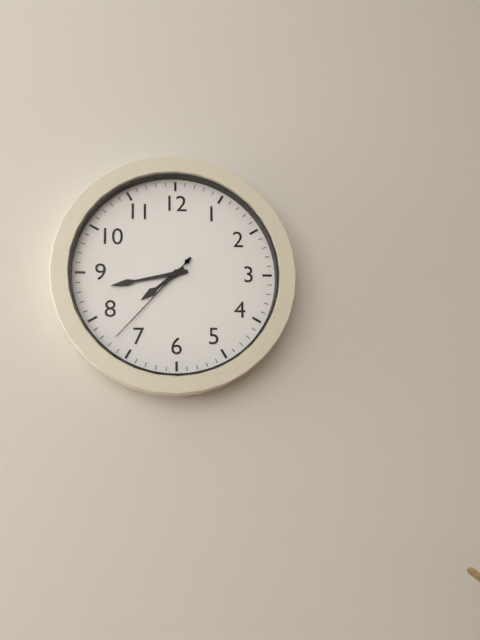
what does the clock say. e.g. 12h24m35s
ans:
7h43m37s
